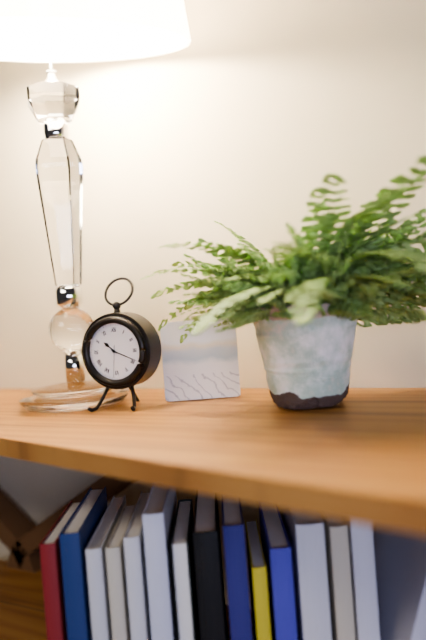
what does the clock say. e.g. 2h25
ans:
10h19
